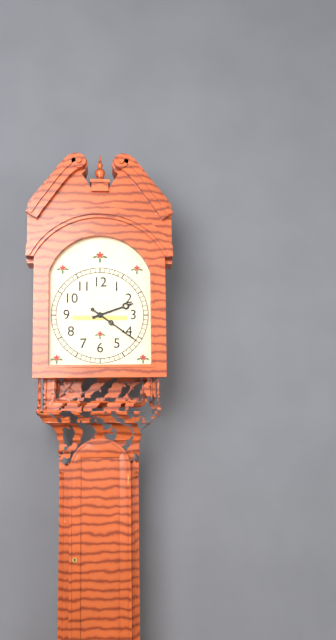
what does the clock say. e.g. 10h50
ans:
2h21
